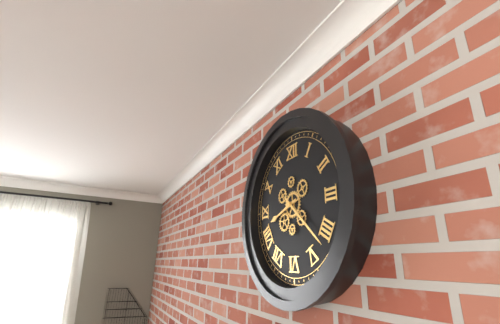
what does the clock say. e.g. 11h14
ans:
8h22
